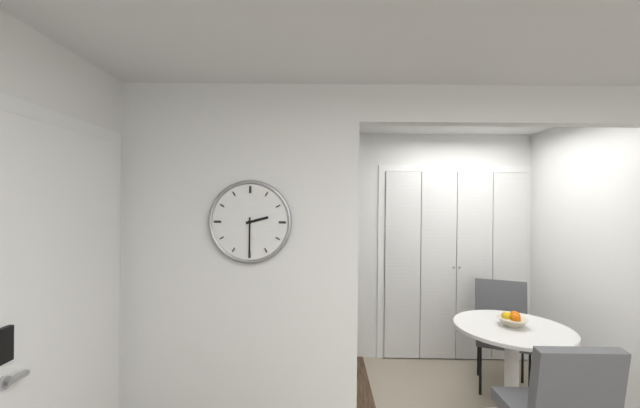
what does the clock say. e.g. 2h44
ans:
2h30
